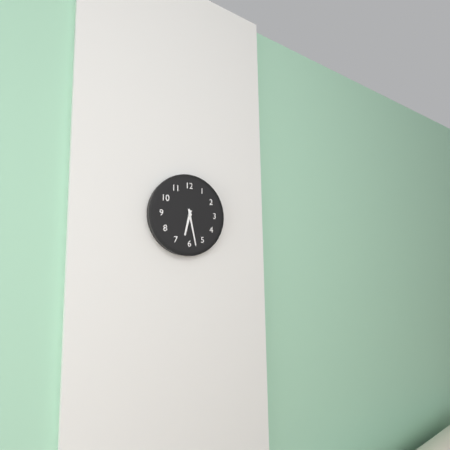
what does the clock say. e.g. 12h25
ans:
6h28
